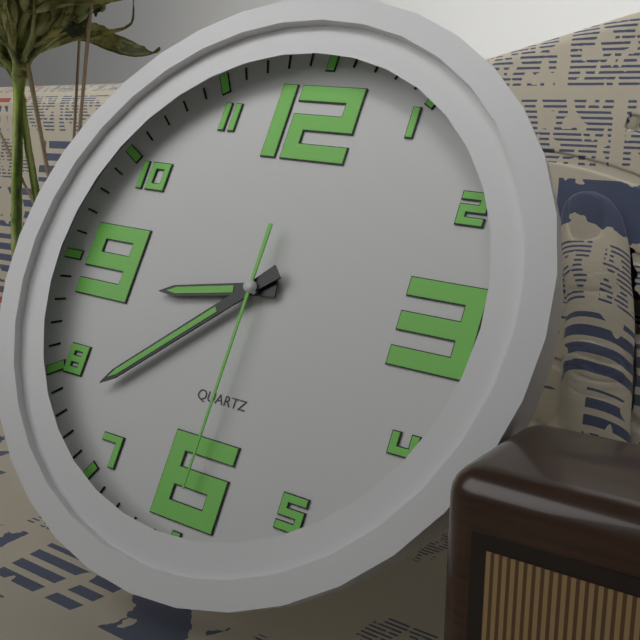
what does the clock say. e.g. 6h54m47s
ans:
8h38m30s
